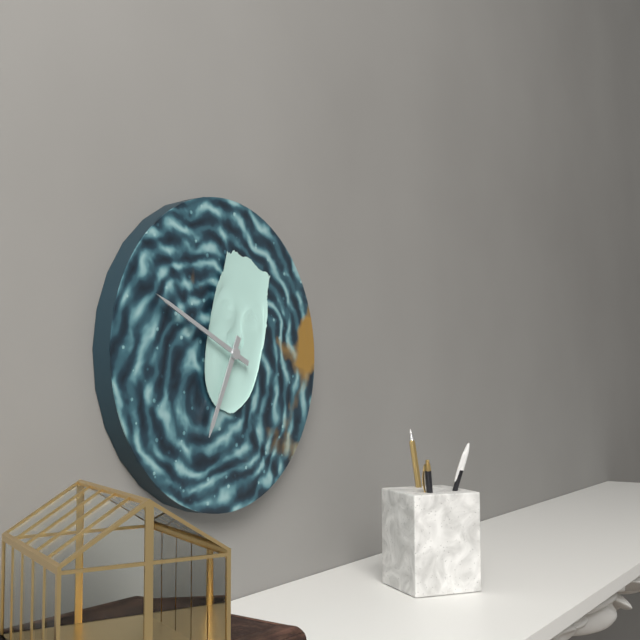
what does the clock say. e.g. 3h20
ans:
6h49
